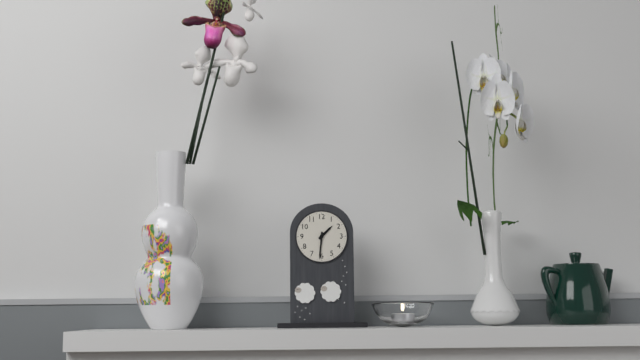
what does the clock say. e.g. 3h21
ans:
1h31
